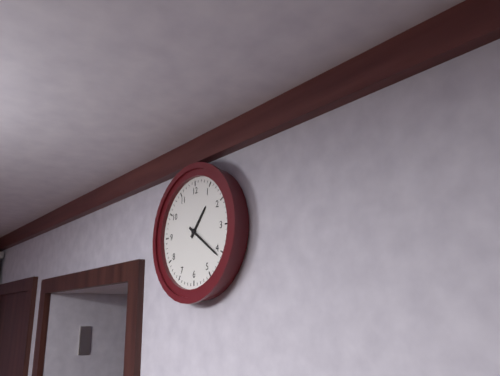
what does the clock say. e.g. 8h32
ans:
1h21
